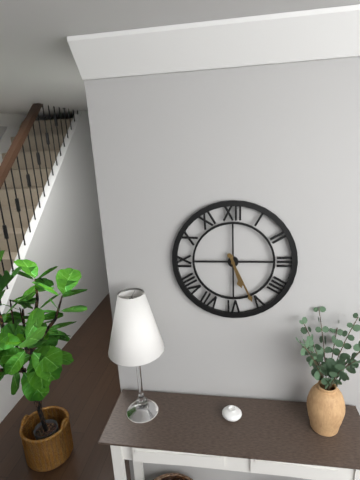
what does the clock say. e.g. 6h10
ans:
5h26
